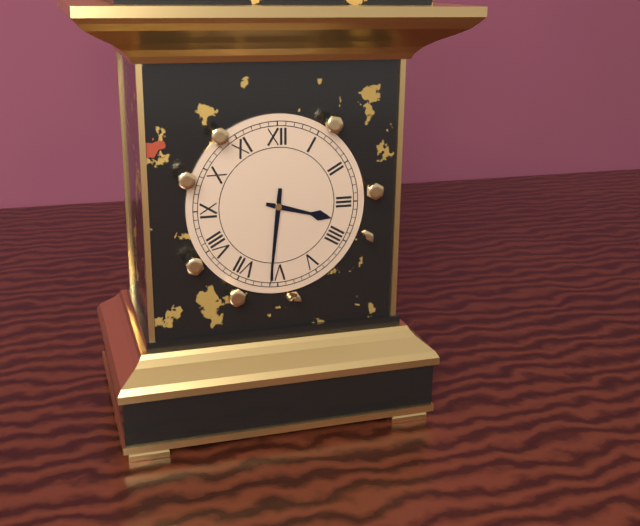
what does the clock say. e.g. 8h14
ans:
3h31
